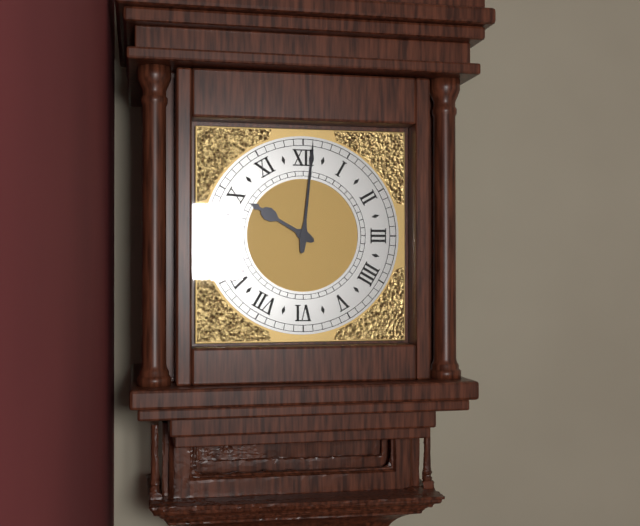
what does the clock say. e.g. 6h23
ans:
10h01
